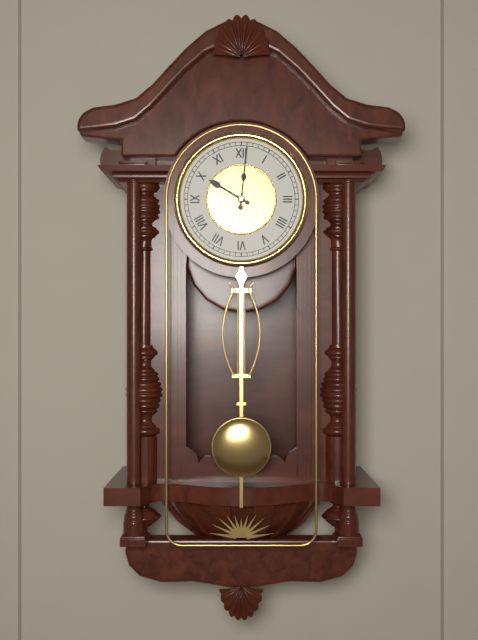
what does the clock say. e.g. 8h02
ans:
10h01
